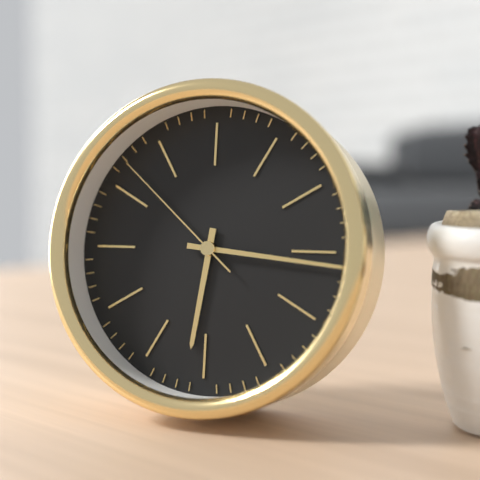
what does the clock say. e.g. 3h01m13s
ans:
6h16m52s
